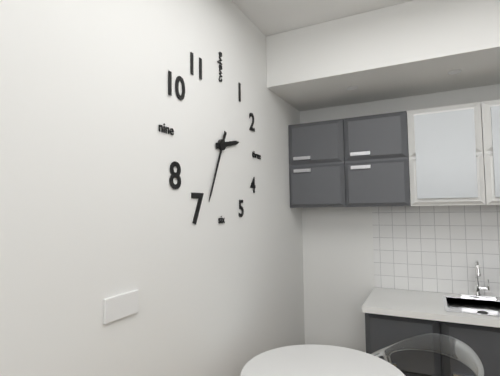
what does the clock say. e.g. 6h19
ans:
2h34
